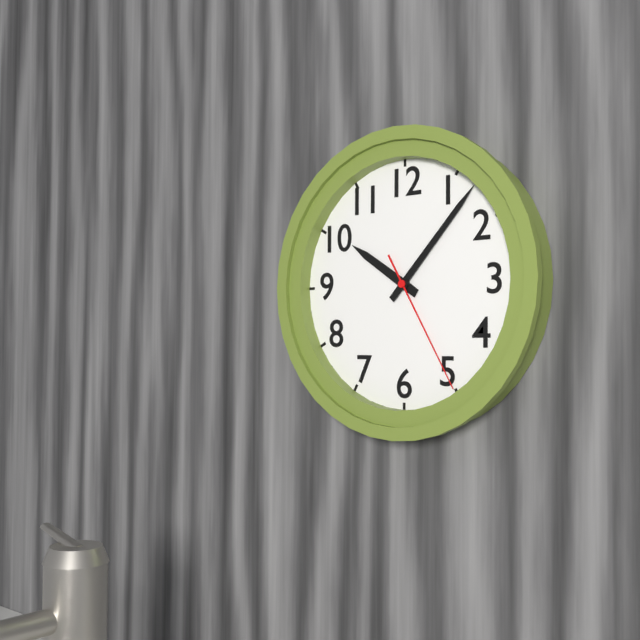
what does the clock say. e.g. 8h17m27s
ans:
10h07m25s
